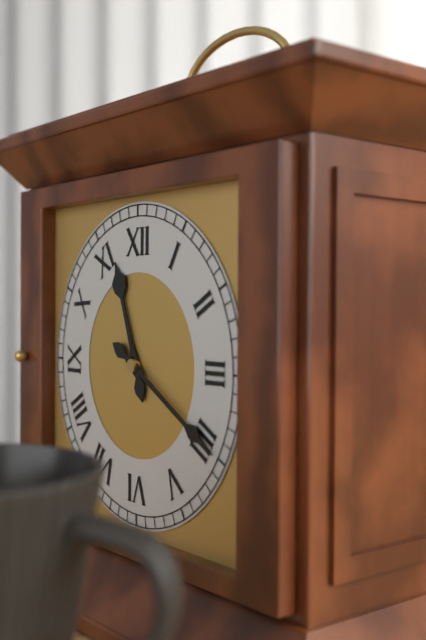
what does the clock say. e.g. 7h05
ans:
11h20
